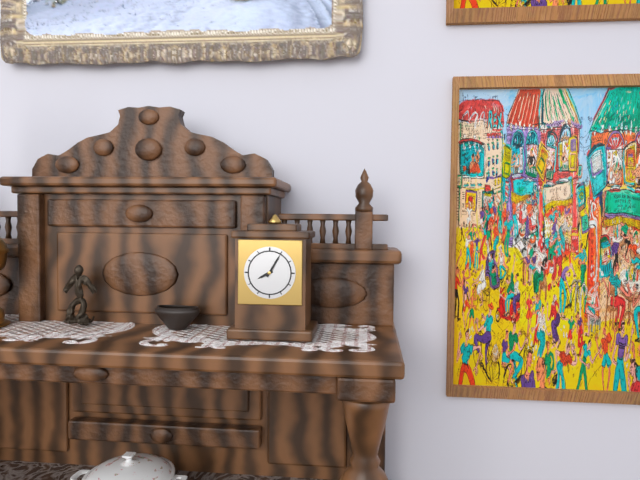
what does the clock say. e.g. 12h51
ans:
8h05
